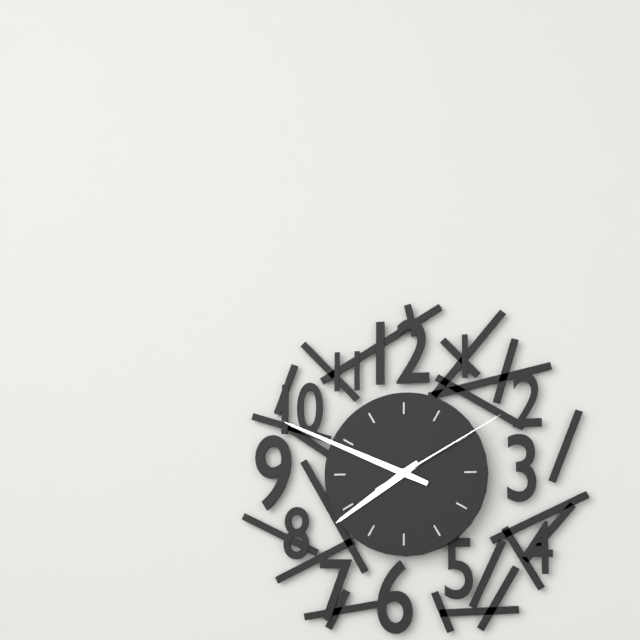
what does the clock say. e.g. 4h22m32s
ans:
7h49m10s
